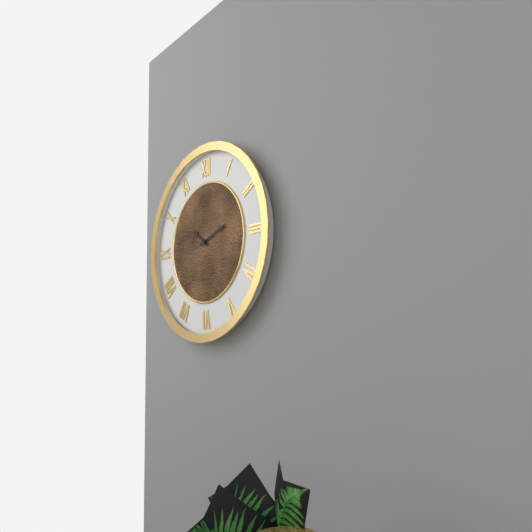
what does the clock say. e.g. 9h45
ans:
10h12
